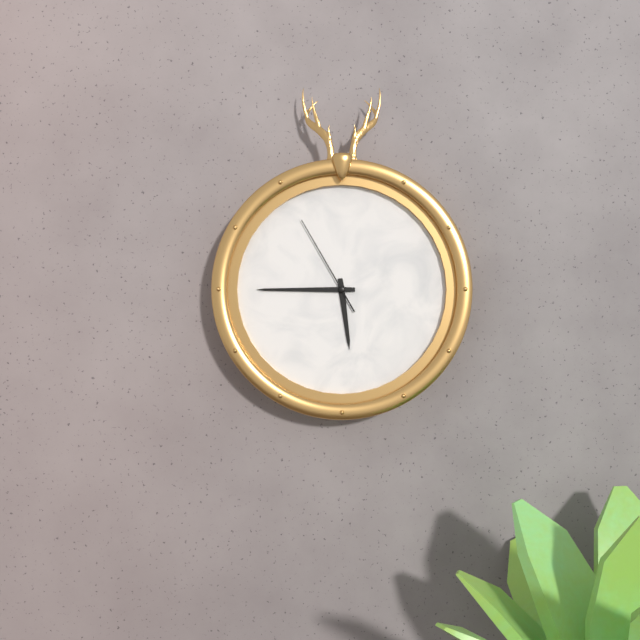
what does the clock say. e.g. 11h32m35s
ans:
5h45m55s
